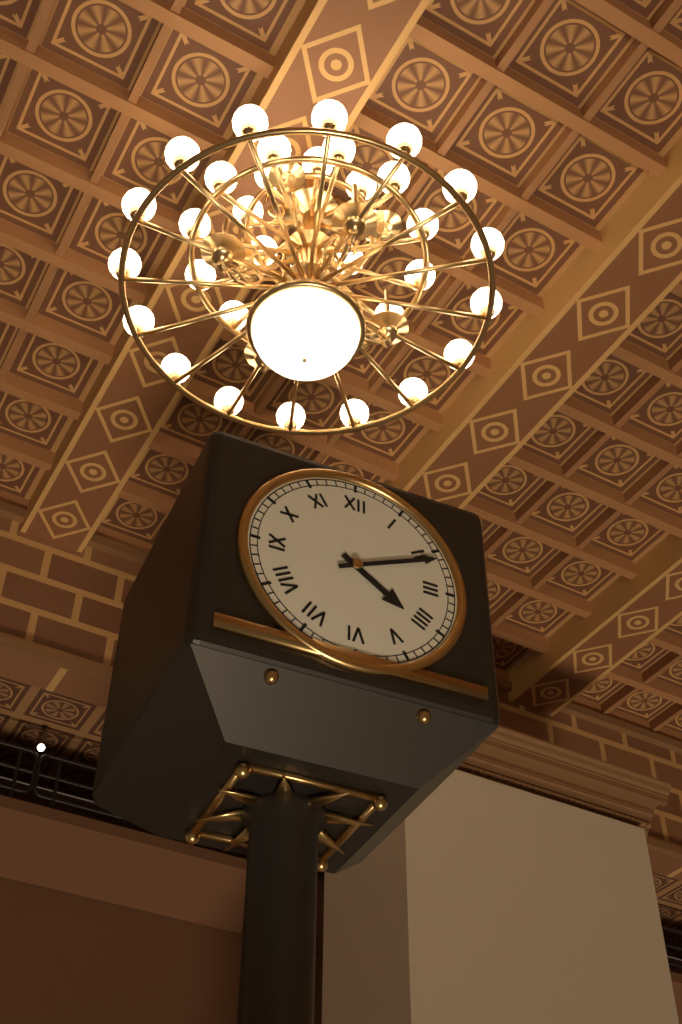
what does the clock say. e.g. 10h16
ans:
4h11
